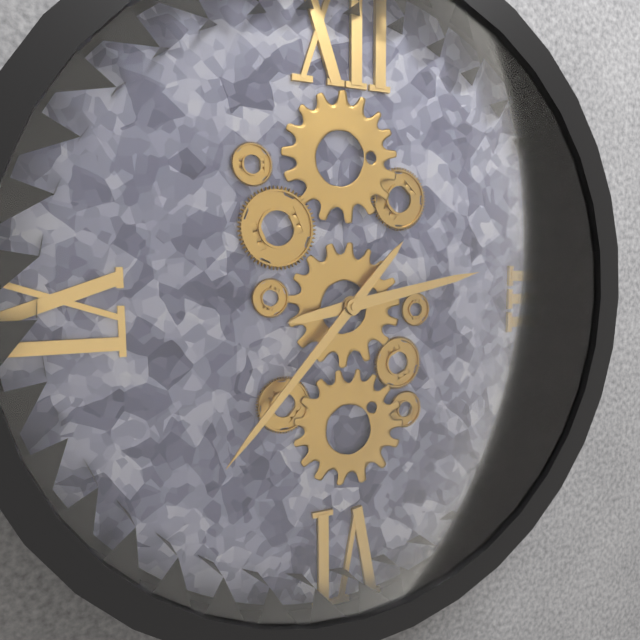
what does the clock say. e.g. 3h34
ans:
2h37
